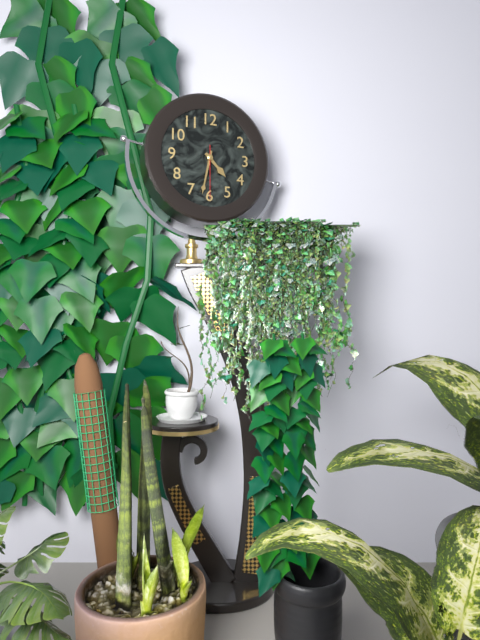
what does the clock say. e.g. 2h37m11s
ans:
4h32m30s
